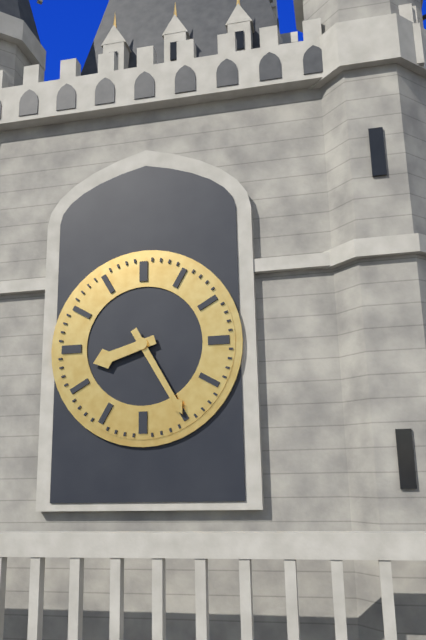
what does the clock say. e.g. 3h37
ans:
8h25
